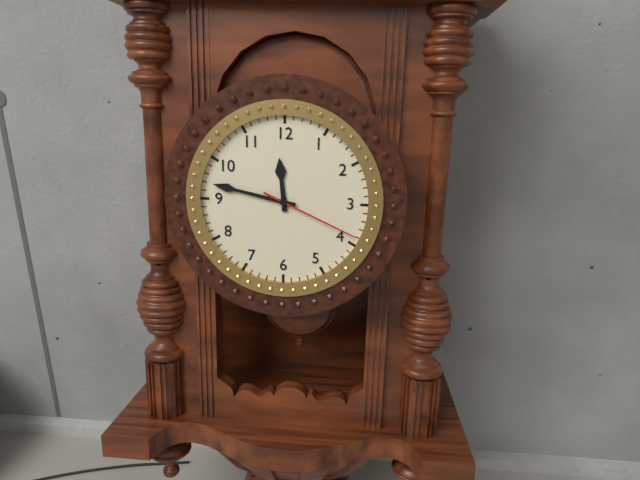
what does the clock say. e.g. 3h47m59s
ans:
11h47m19s
